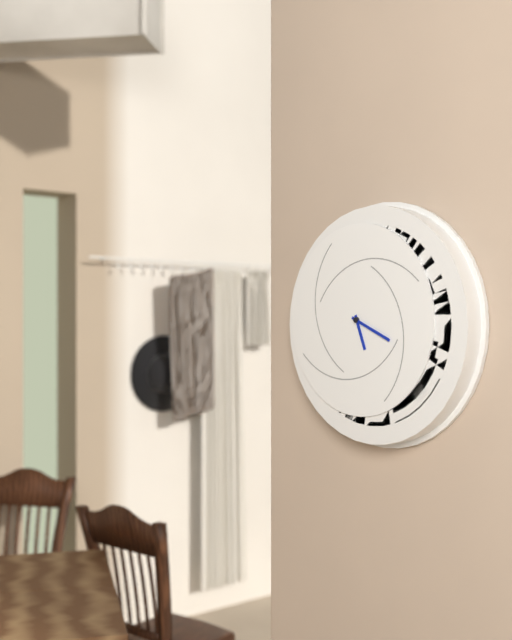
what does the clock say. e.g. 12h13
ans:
5h19
